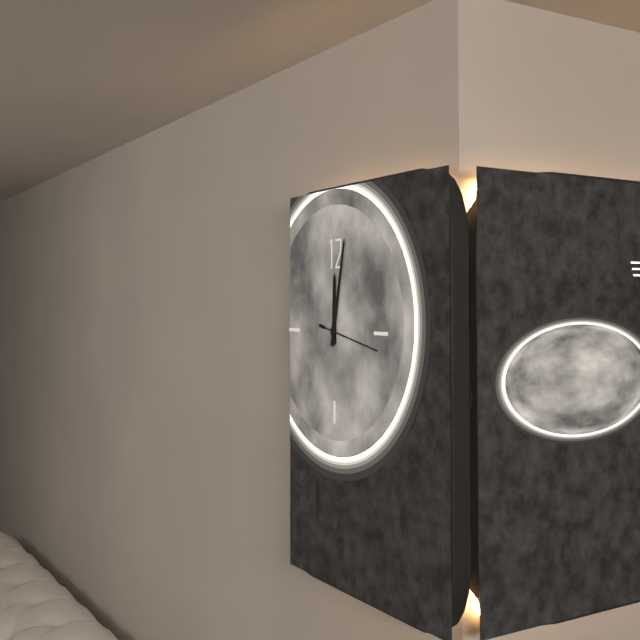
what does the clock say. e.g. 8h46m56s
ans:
12h02m17s
